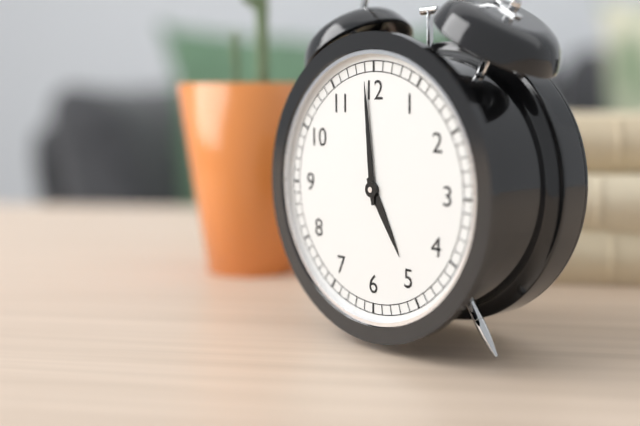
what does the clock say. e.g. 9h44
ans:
4h59
